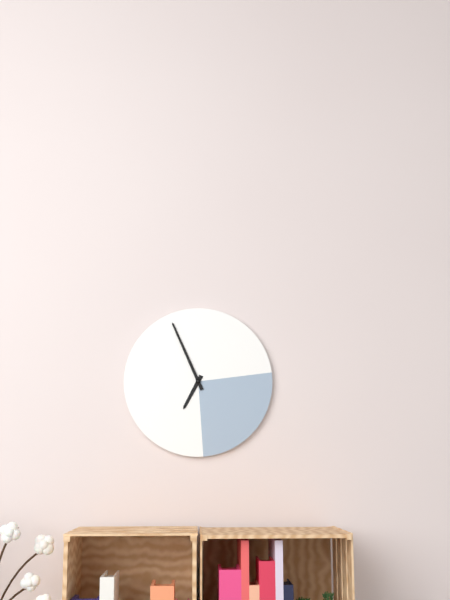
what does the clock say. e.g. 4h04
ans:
6h56
